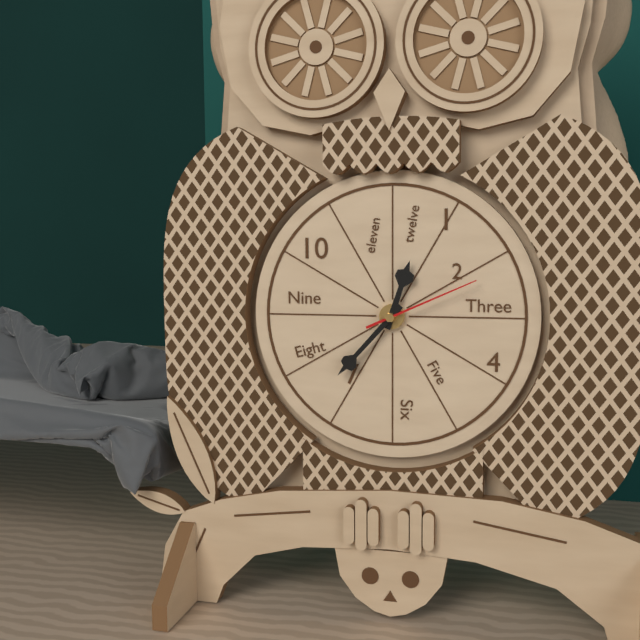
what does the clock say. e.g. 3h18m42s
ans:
12h37m11s
